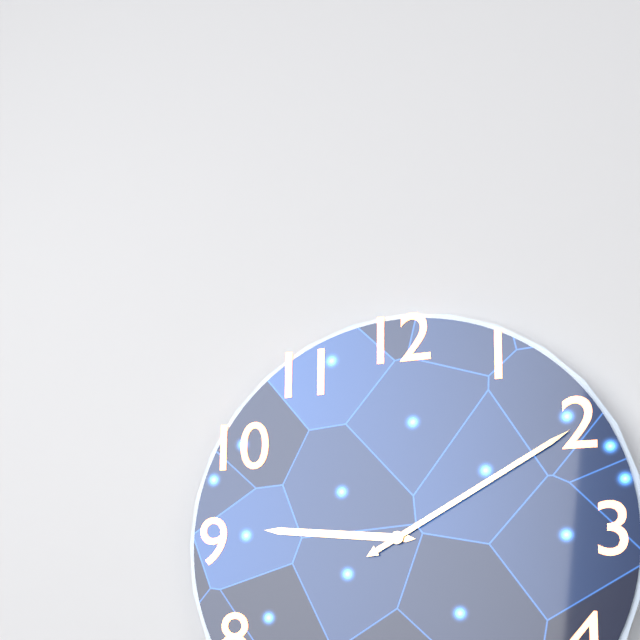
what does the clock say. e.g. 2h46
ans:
9h10
